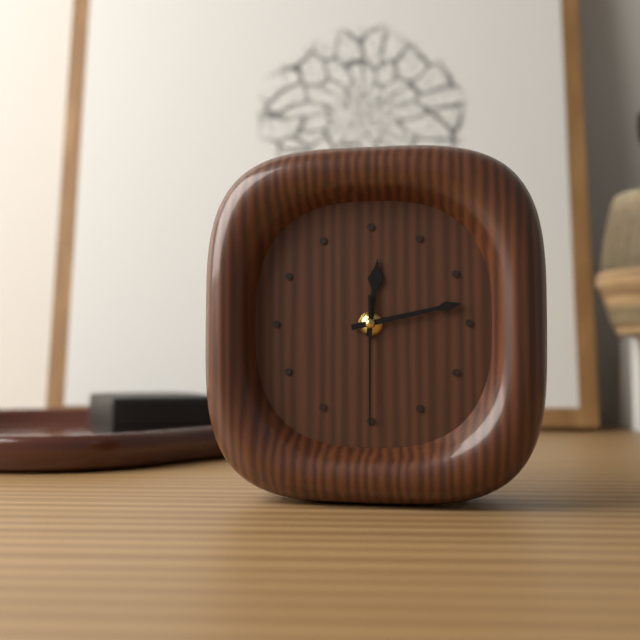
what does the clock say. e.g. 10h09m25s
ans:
12h13m30s
